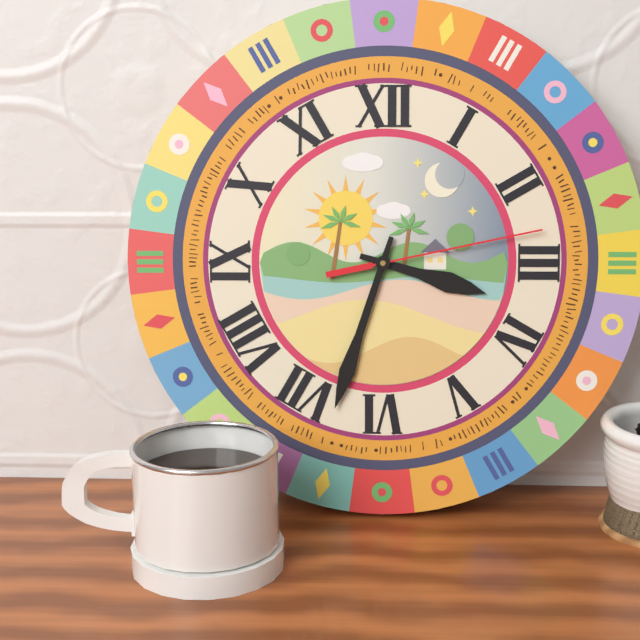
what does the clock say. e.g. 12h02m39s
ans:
3h33m13s
